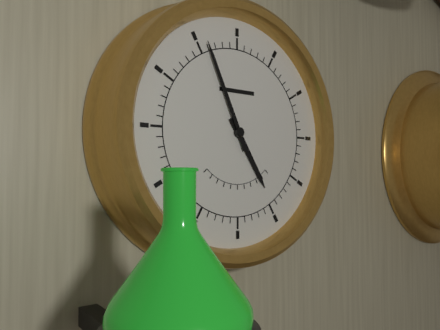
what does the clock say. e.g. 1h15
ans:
4h56
